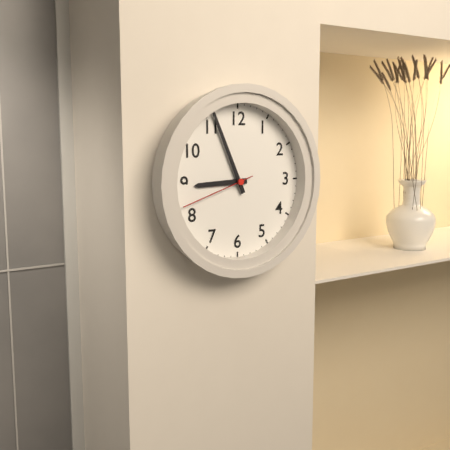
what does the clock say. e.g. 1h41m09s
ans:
8h56m42s
